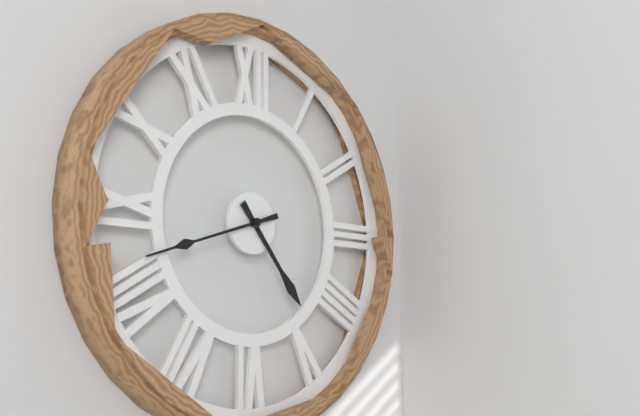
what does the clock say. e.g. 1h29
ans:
4h42
